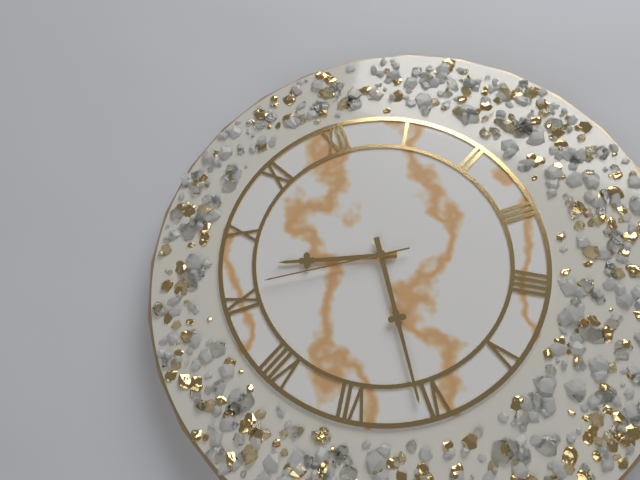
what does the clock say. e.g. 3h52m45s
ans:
9h31m46s
